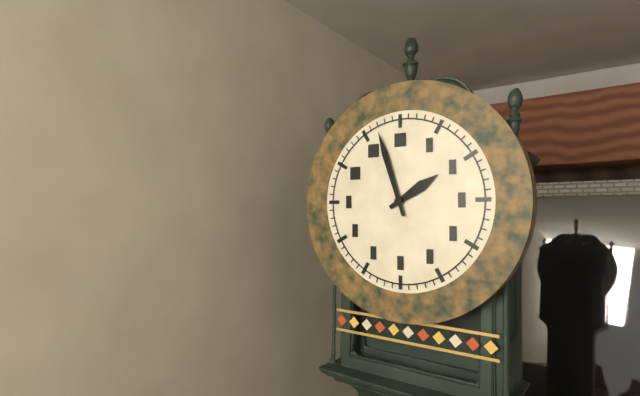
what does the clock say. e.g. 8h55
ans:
1h57
